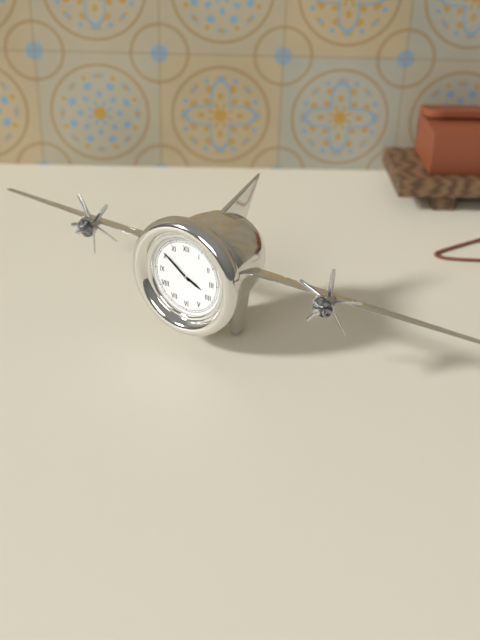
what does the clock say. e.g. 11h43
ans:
3h51
